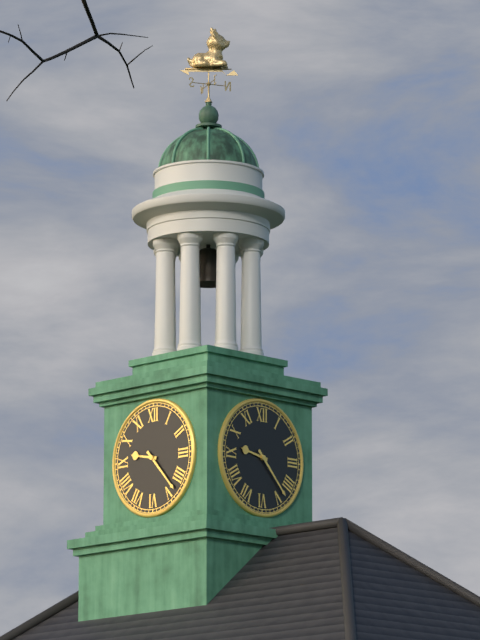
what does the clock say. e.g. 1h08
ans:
9h23
